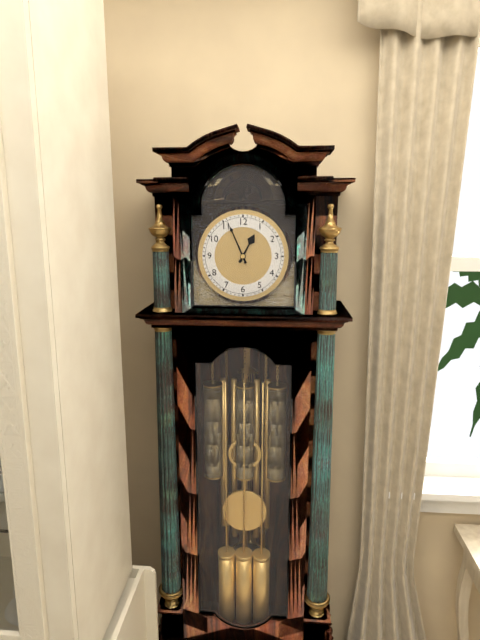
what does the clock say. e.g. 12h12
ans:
12h56
